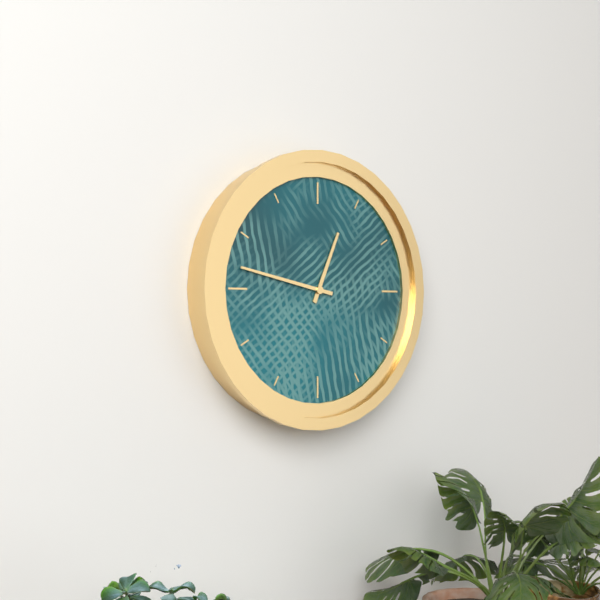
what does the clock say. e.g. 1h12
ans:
12h47
